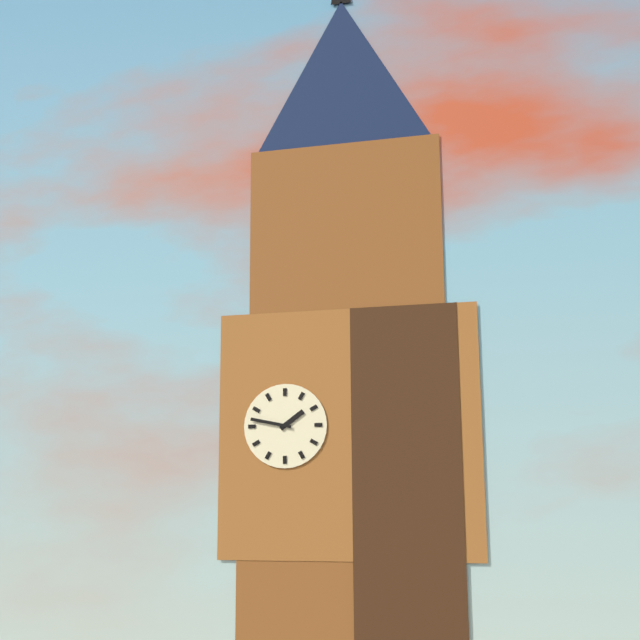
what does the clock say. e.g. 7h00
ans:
1h47
